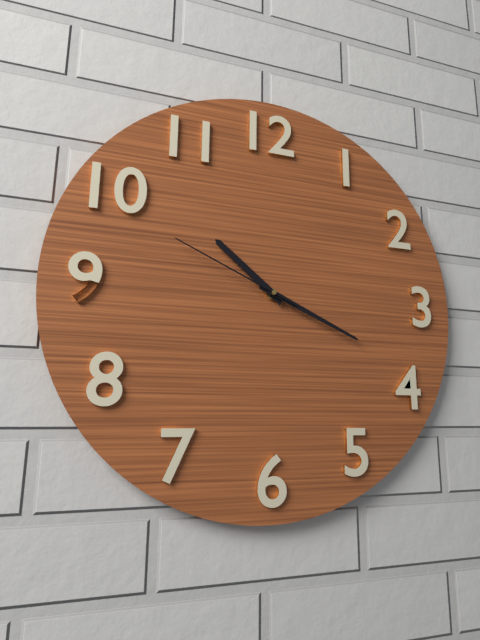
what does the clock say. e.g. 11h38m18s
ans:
10h19m49s
